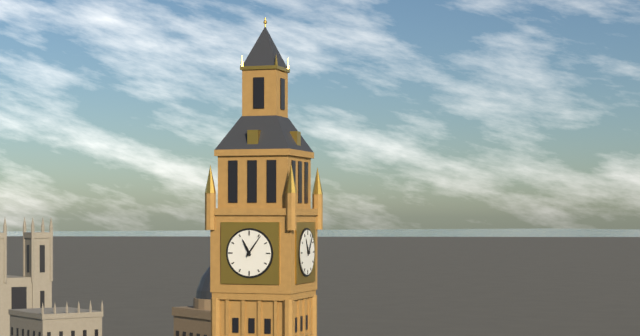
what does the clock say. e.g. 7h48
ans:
11h06
